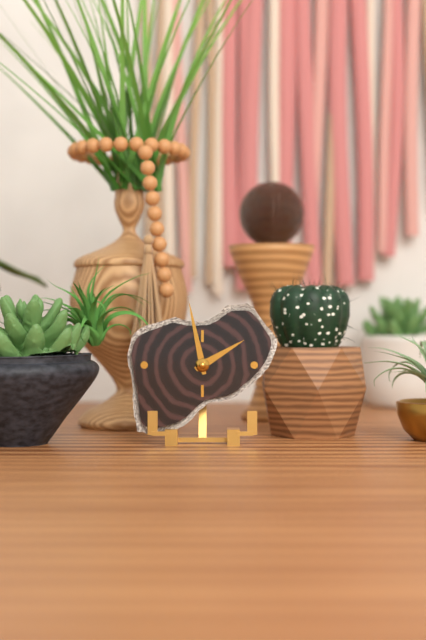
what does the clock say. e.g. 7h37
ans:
1h58
